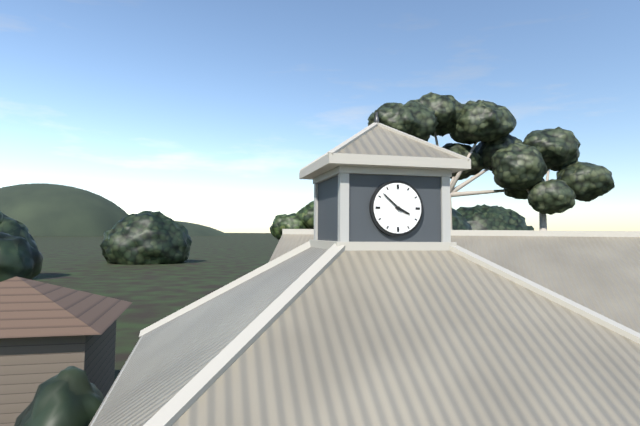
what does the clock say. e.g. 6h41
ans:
3h52
